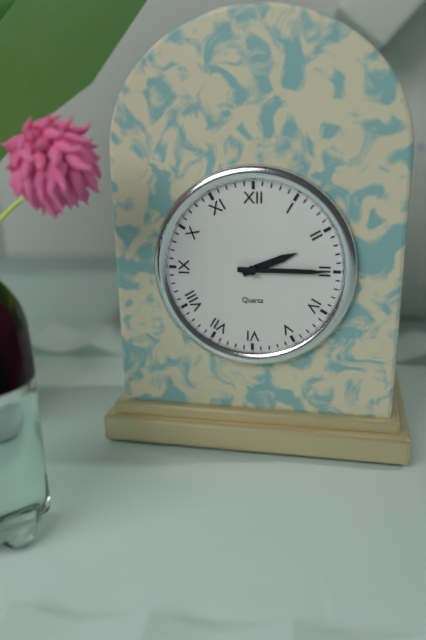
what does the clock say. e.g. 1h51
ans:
2h15
